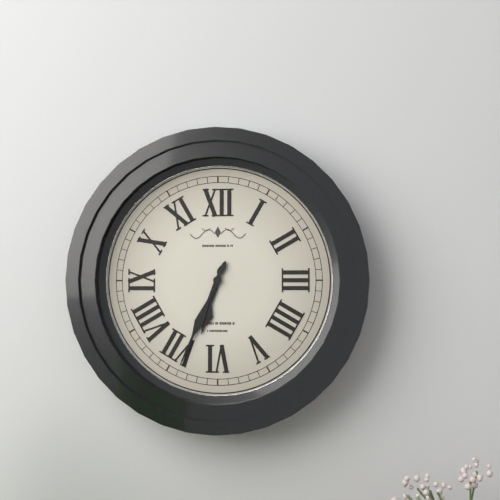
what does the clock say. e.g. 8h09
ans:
6h34
